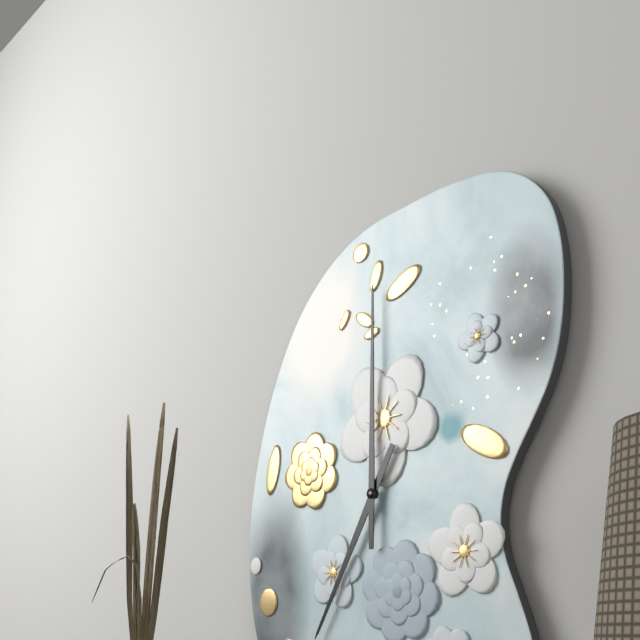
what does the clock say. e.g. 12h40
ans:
7h00
